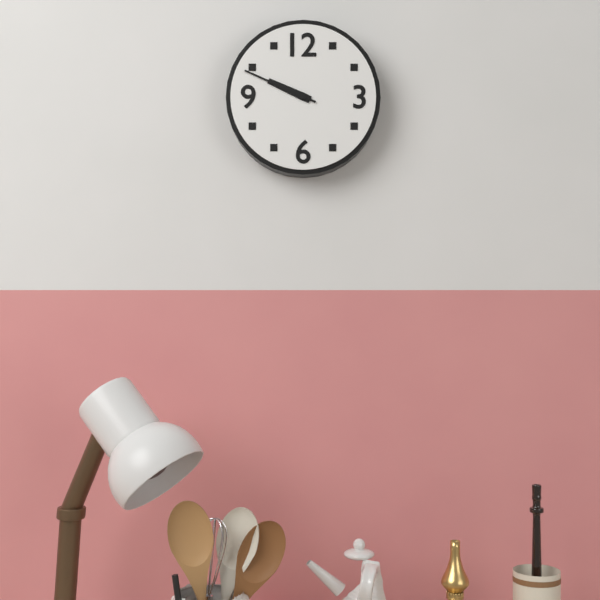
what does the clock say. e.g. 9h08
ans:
9h49
